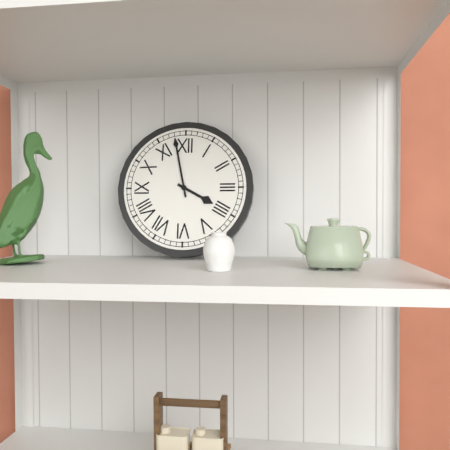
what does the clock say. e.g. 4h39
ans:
3h58
